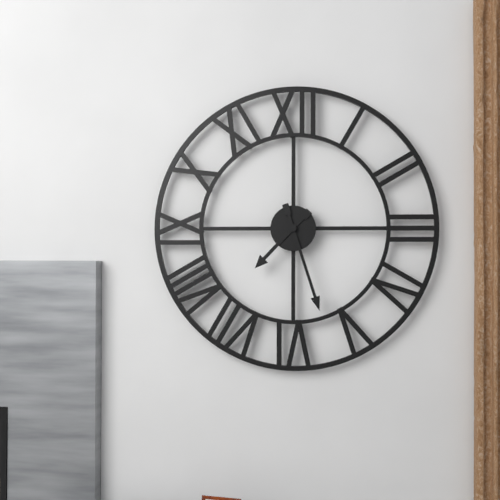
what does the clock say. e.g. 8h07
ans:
7h27
